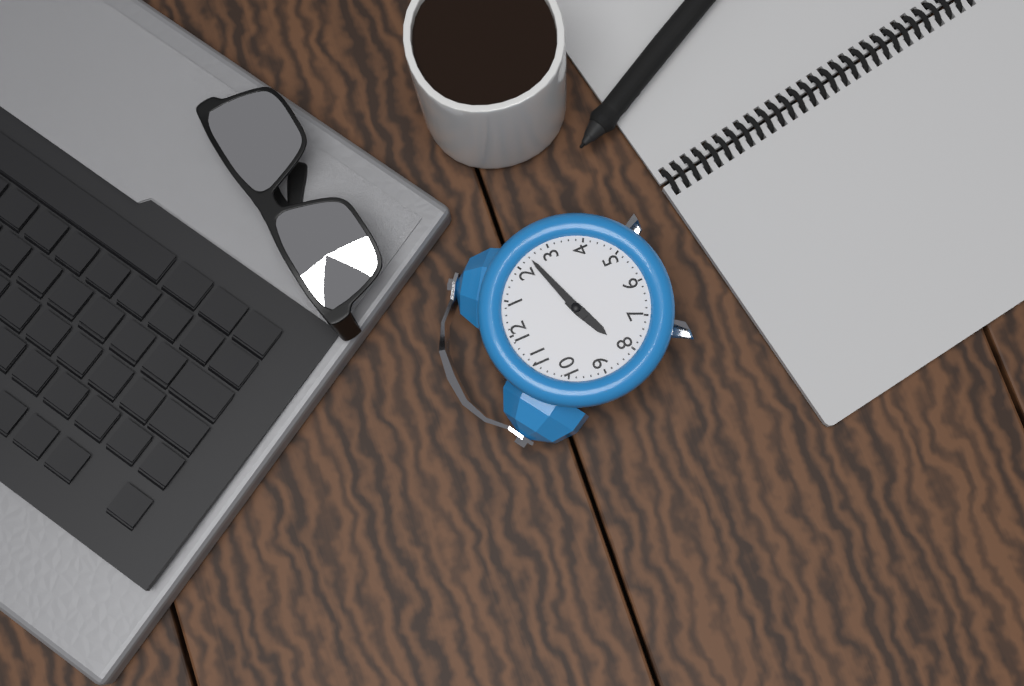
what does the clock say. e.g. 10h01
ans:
8h12
